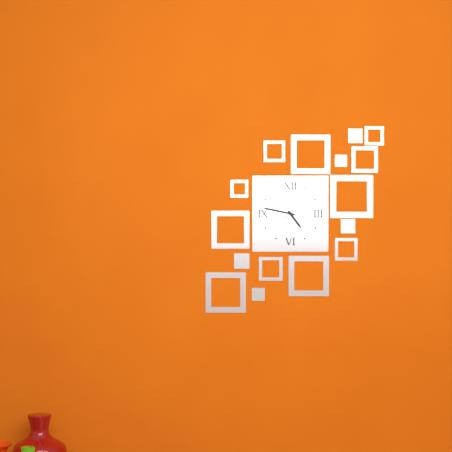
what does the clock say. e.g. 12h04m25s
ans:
4h47m09s
